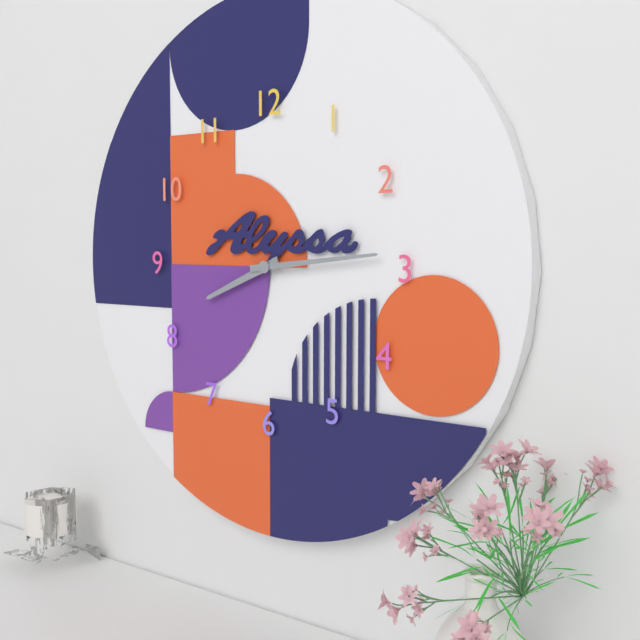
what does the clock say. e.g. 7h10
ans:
8h14
